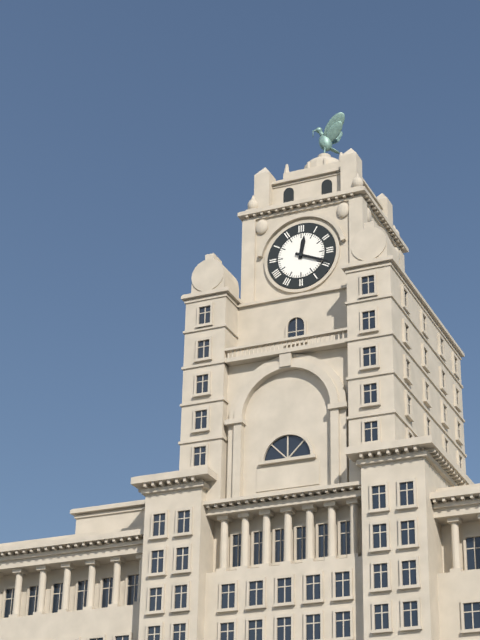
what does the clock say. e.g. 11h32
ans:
12h19
